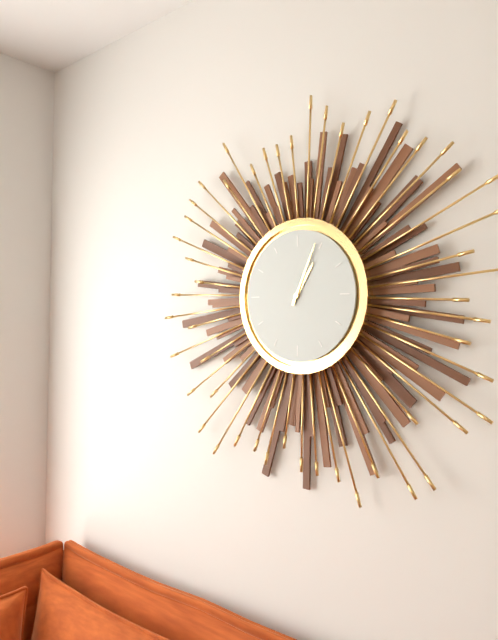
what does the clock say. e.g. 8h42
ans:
1h04
